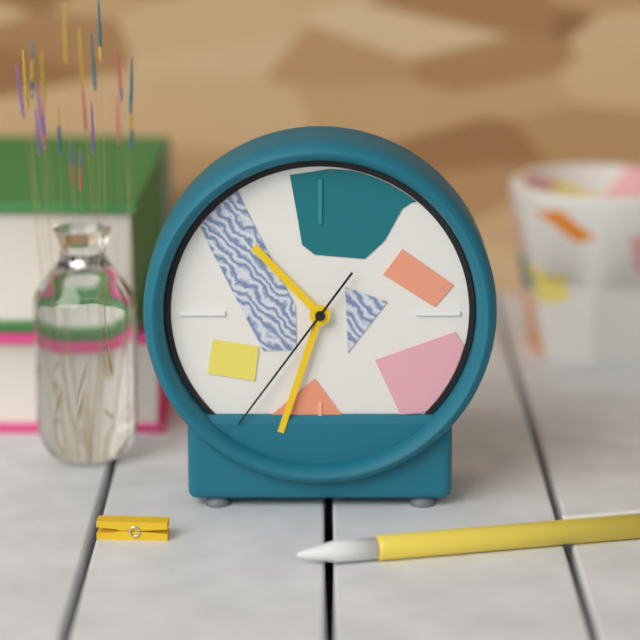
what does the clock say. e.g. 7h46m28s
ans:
10h33m36s
